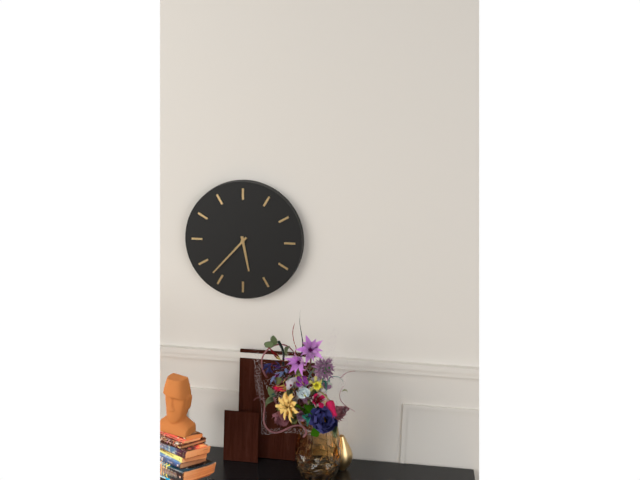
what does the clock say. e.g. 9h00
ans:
5h37
